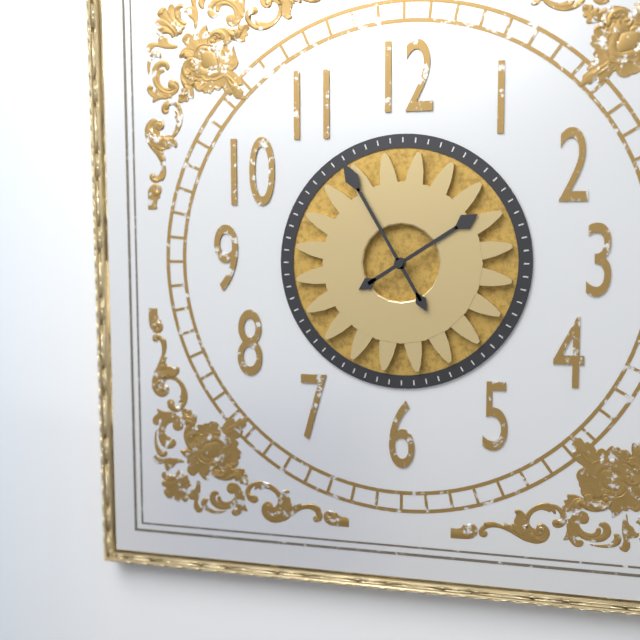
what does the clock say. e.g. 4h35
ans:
1h55
